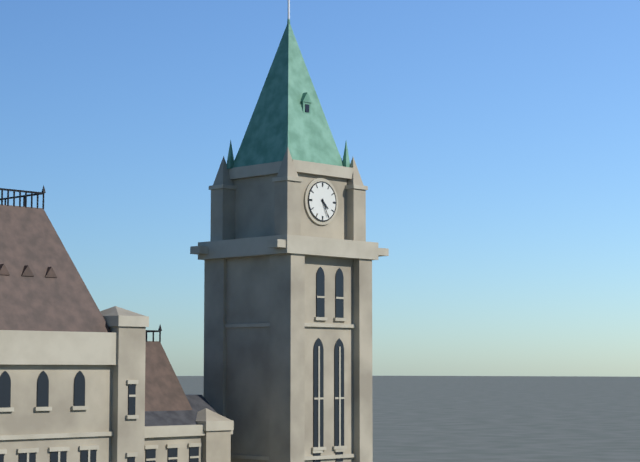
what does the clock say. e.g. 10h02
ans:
4h26
